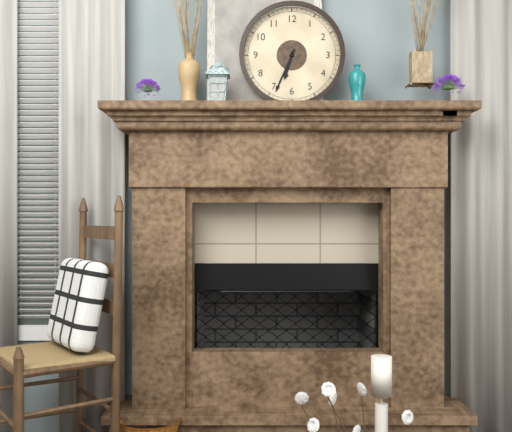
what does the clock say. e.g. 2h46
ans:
6h34
